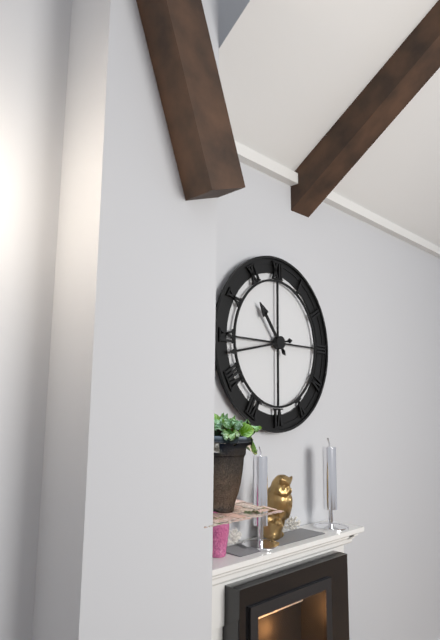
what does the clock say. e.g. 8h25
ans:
10h43
